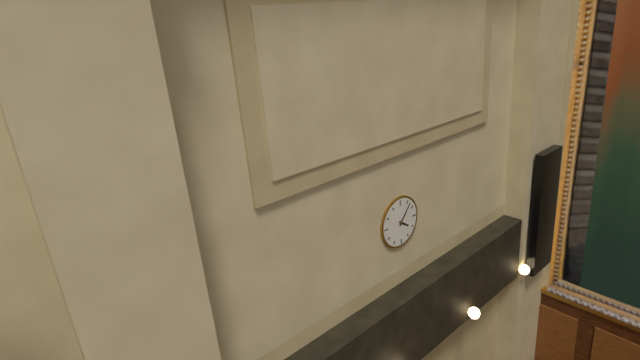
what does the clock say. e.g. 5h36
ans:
4h07
